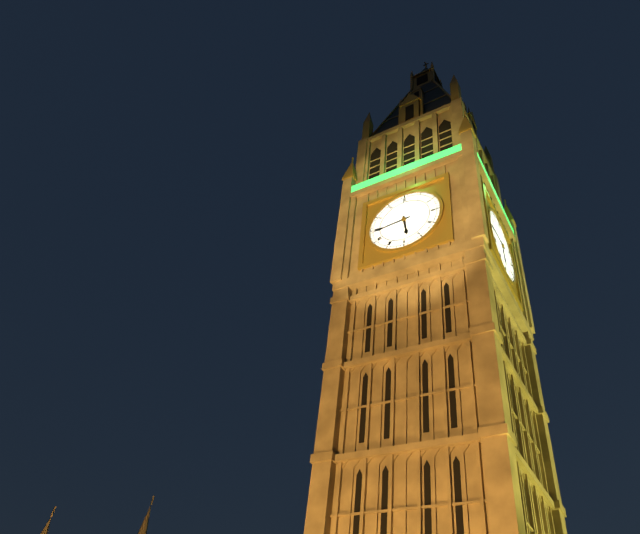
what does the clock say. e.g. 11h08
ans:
5h44
